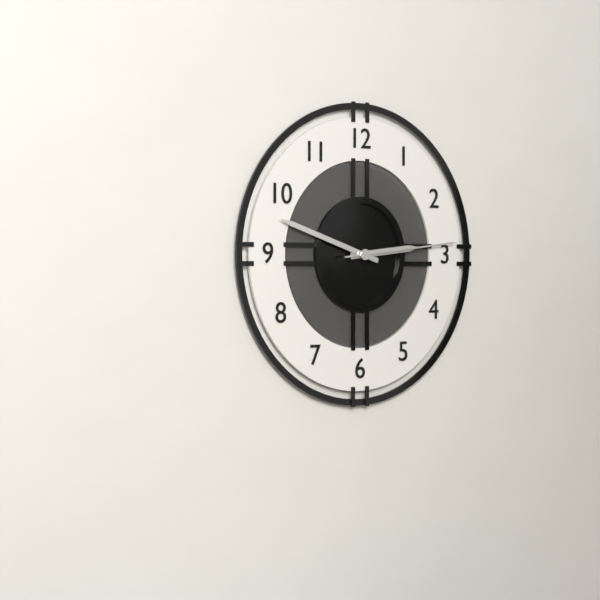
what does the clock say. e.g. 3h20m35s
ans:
2h48m14s
